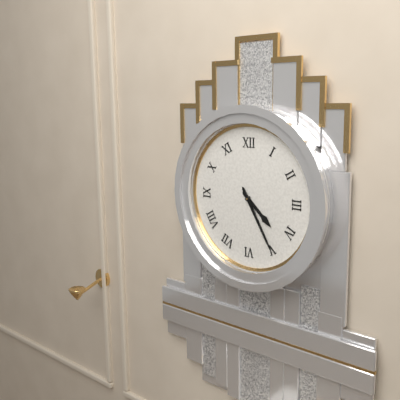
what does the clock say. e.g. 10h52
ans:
4h25
